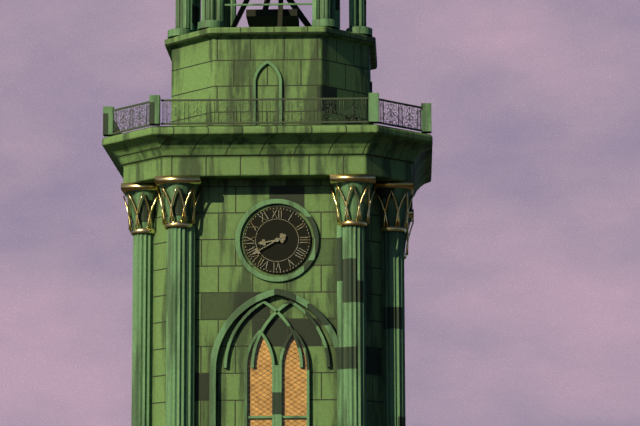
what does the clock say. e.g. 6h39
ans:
8h40
